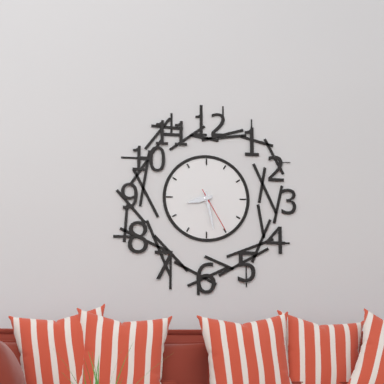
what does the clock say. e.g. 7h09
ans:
8h28
